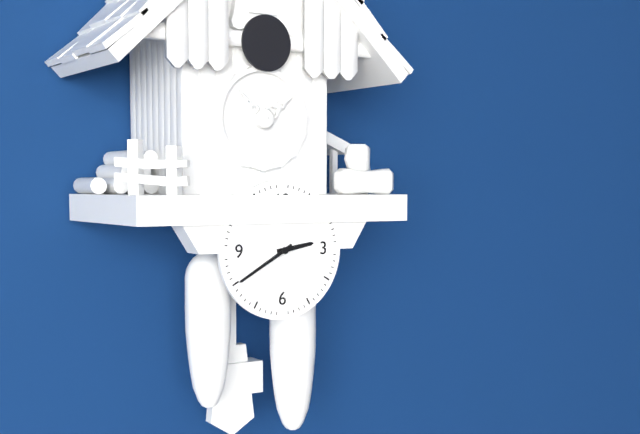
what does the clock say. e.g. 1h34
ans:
2h40
